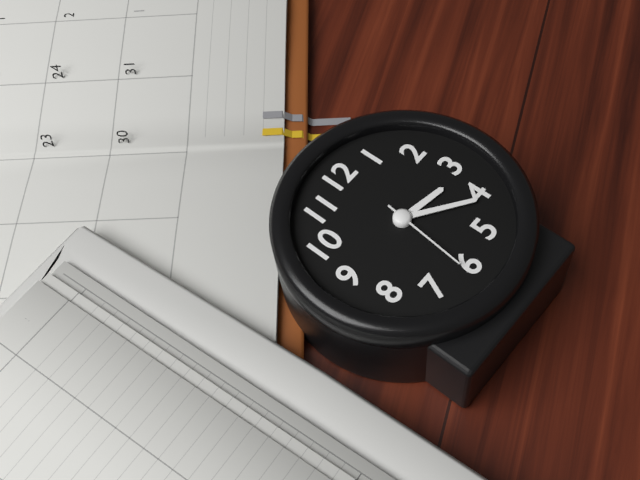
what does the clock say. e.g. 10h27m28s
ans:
3h21m31s
